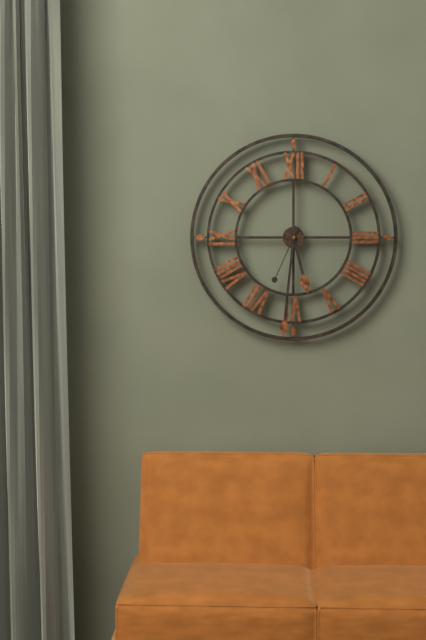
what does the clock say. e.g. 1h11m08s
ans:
5h31m34s
